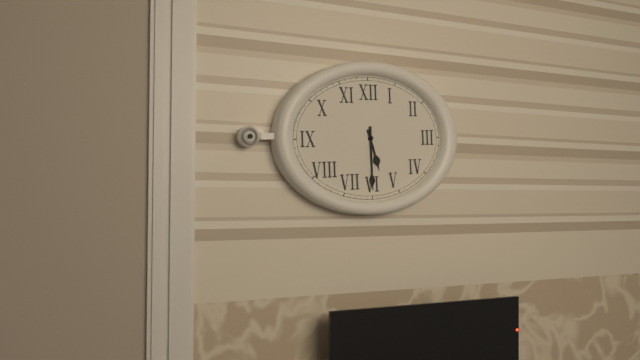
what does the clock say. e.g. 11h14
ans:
5h30
